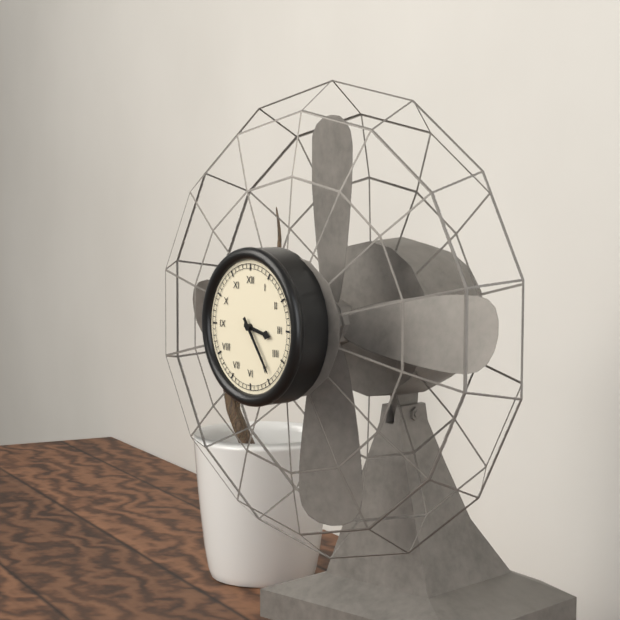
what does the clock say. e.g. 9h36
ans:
3h24
